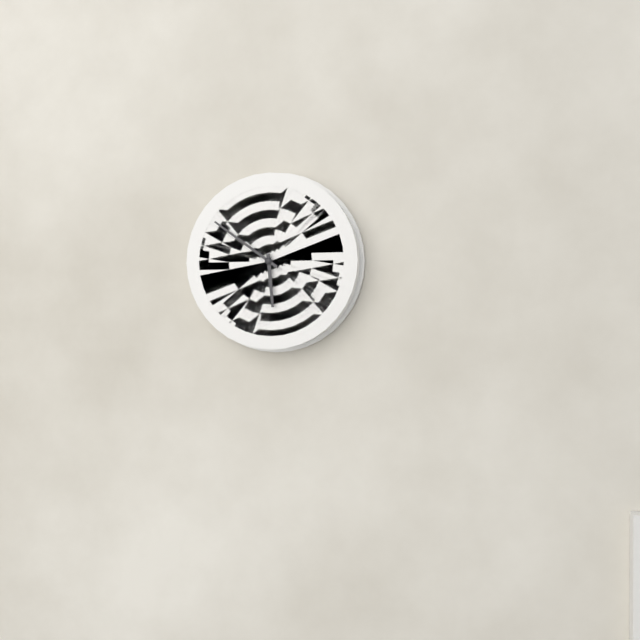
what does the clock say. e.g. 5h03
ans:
5h51
